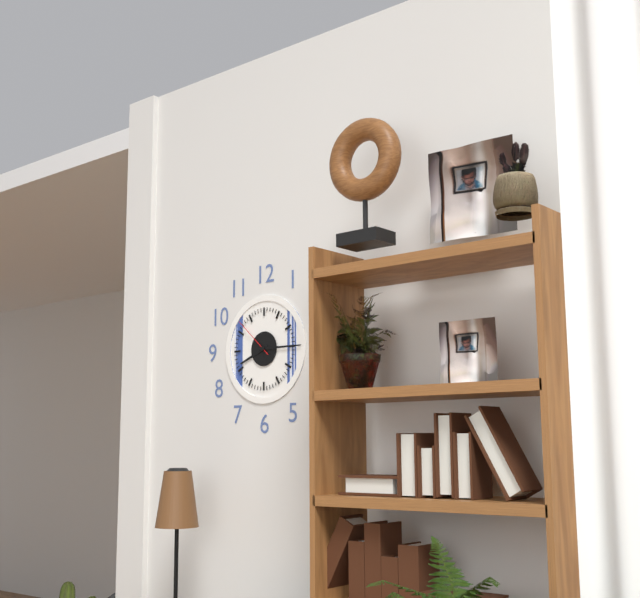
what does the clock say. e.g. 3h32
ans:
8h15
